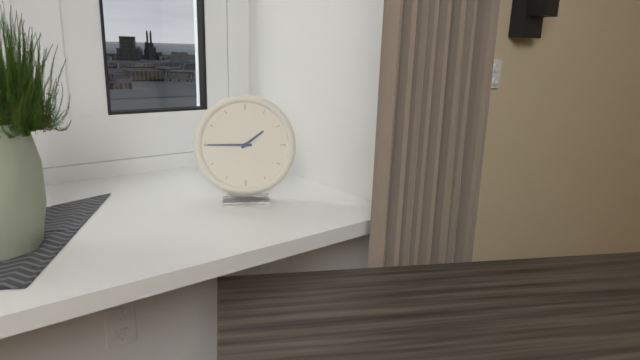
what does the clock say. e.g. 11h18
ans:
1h45
